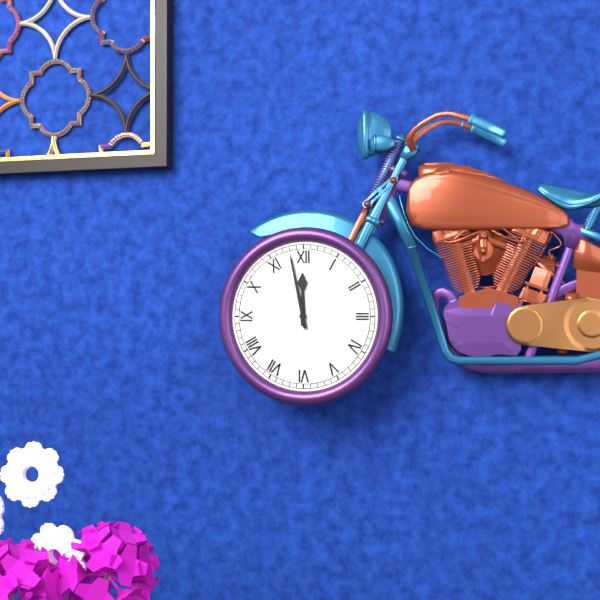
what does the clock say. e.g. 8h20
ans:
11h58
